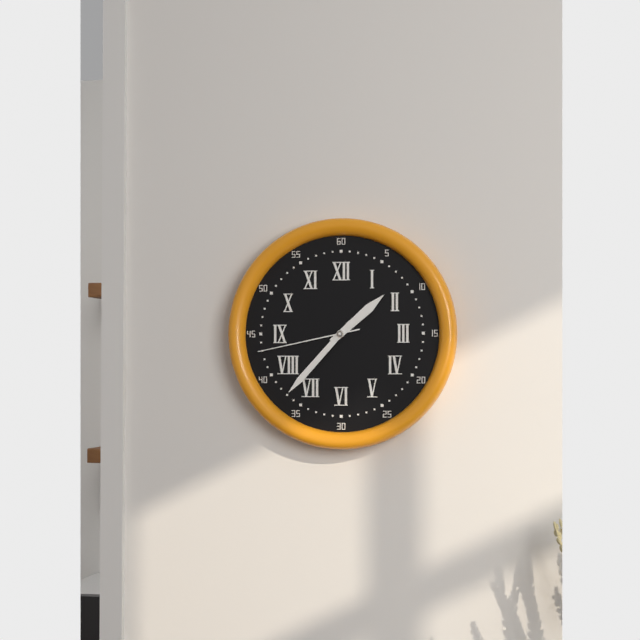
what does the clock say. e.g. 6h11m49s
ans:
1h37m43s
